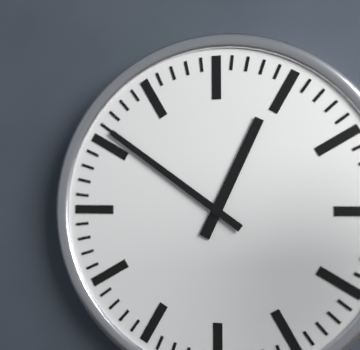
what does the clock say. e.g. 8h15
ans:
12h51
